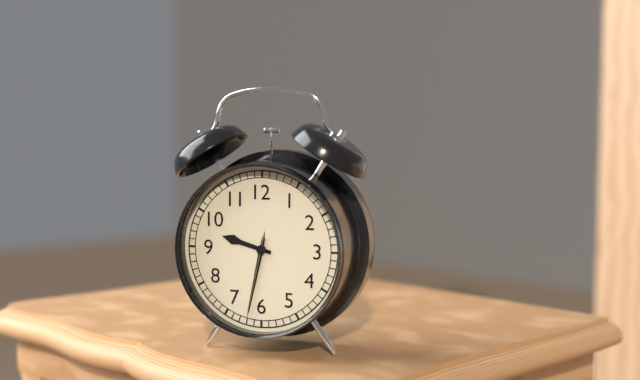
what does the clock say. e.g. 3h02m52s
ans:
9h32m32s
